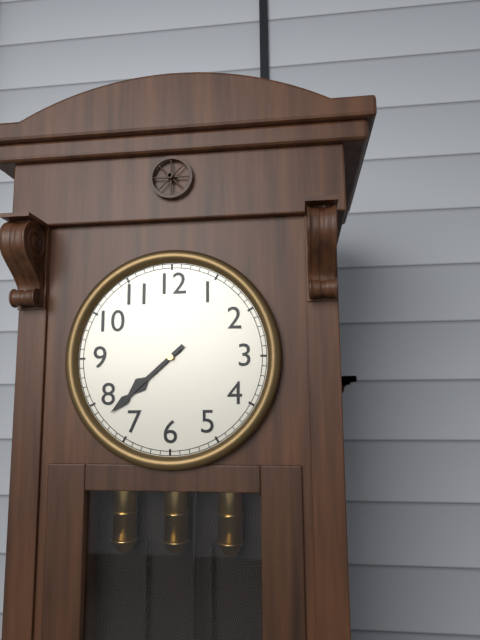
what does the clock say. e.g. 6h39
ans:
7h38
